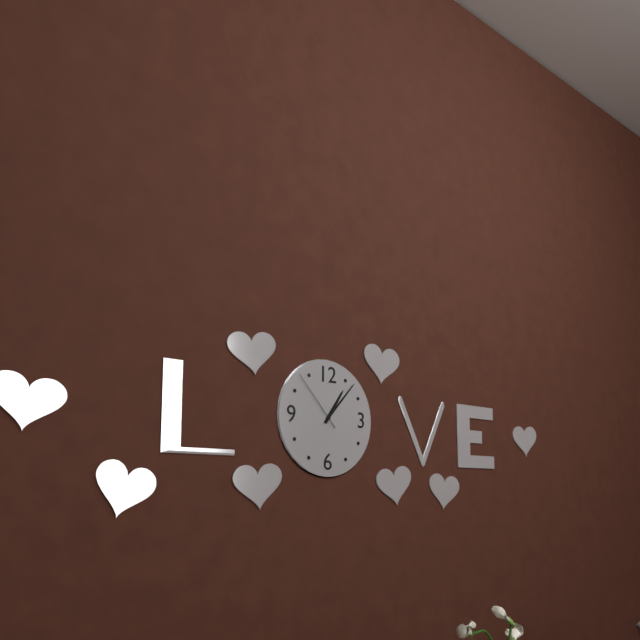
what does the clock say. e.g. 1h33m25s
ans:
1h07m53s
